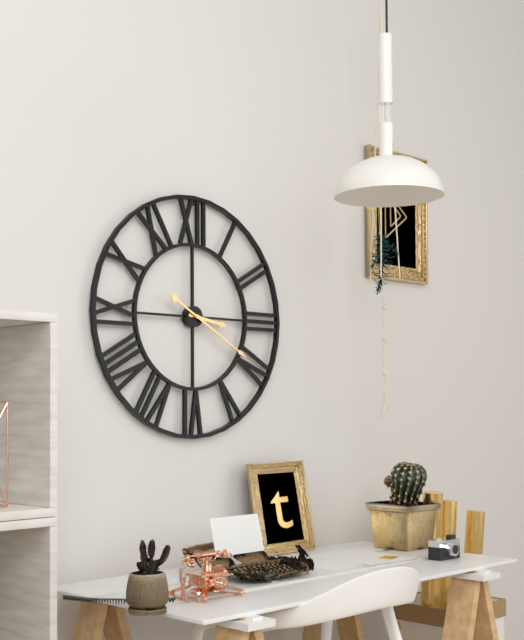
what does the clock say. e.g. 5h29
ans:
3h20
